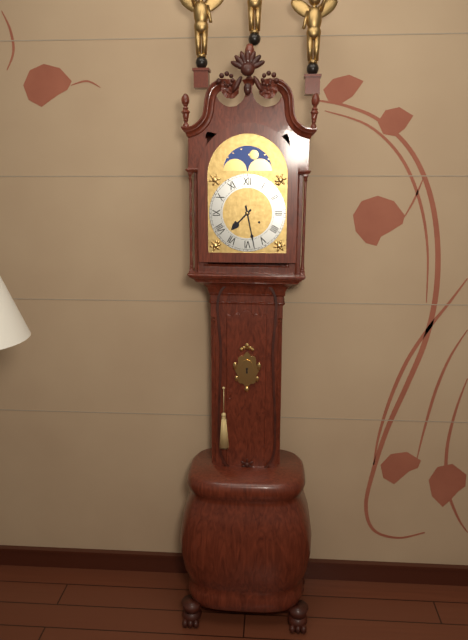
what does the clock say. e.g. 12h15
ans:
7h28
